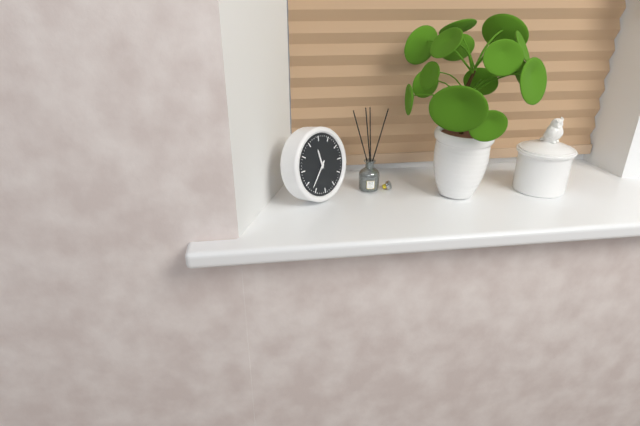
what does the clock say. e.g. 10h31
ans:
11h37
